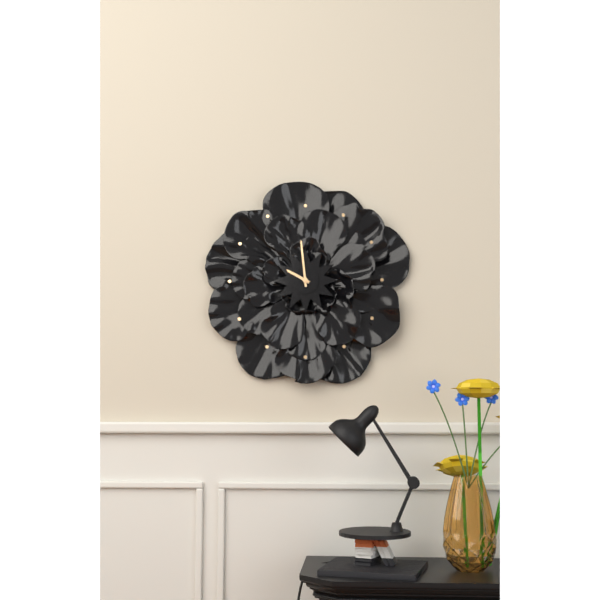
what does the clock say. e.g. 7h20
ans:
9h59
